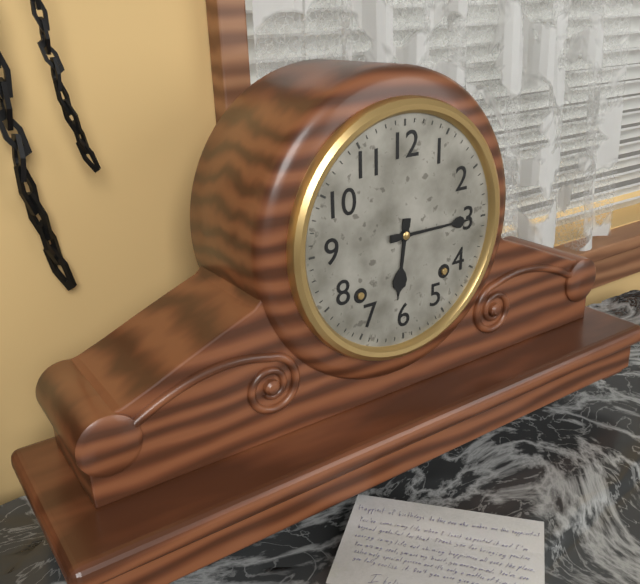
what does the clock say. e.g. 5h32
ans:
6h15
